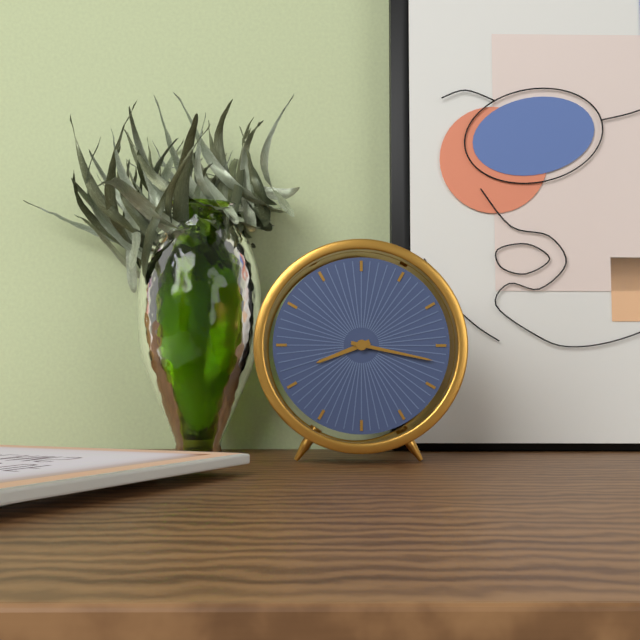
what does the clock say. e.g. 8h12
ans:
8h17
